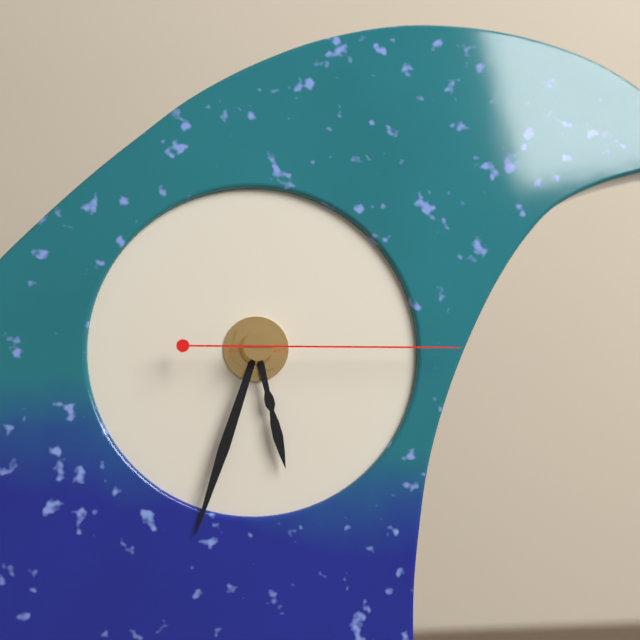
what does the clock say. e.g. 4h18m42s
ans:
5h33m15s
